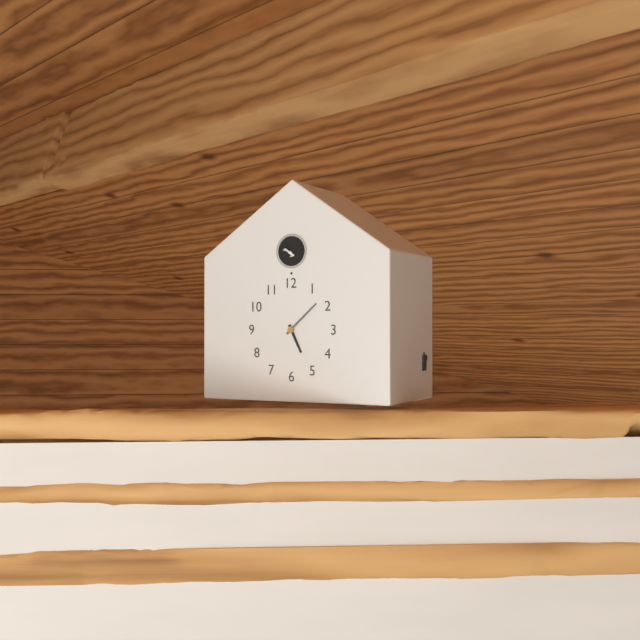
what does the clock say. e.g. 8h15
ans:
5h08
